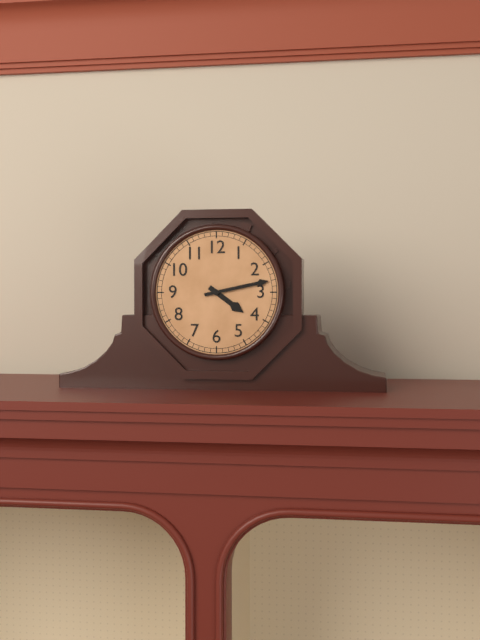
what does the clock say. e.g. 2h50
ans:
4h13
